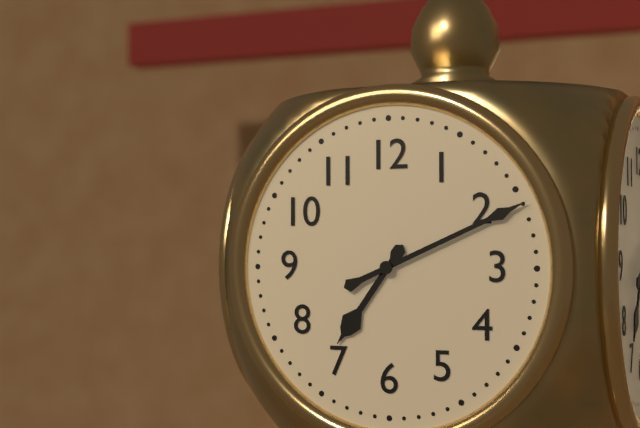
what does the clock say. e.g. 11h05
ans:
7h11
